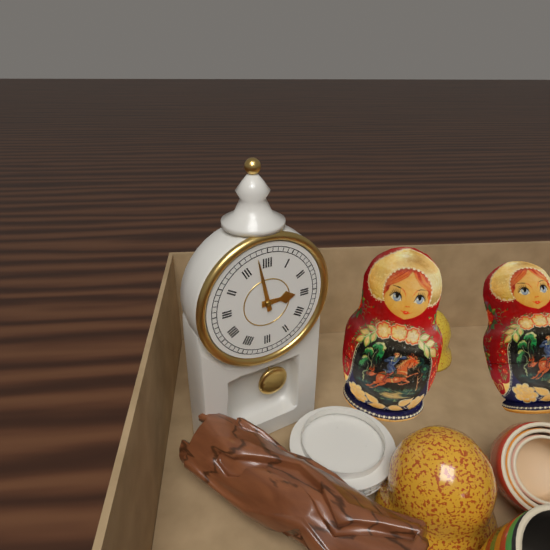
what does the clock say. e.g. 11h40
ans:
2h58
